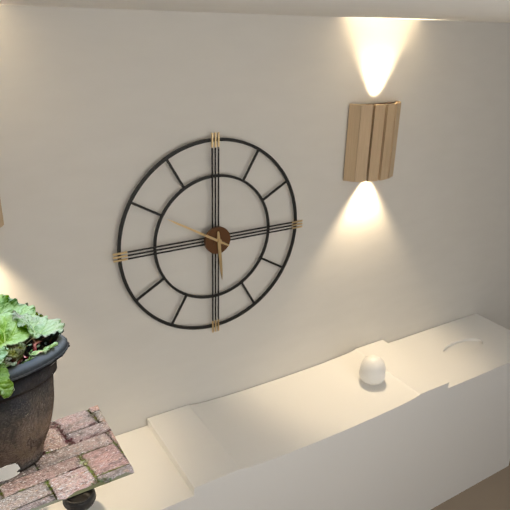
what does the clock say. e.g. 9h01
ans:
5h50
